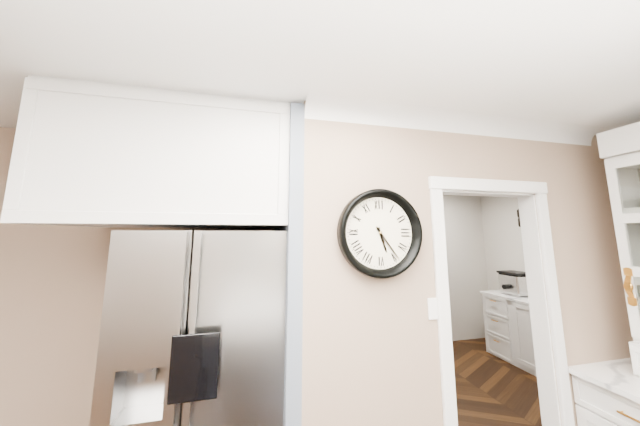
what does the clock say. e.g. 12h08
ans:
5h24
